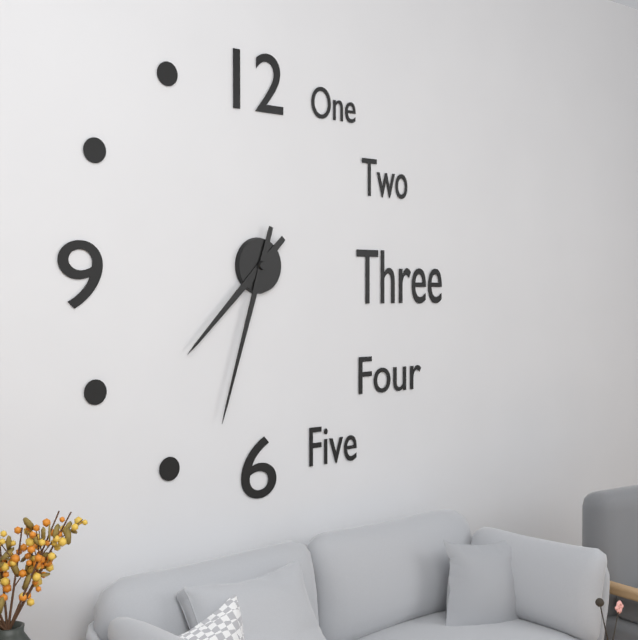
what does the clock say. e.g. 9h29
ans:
7h33
